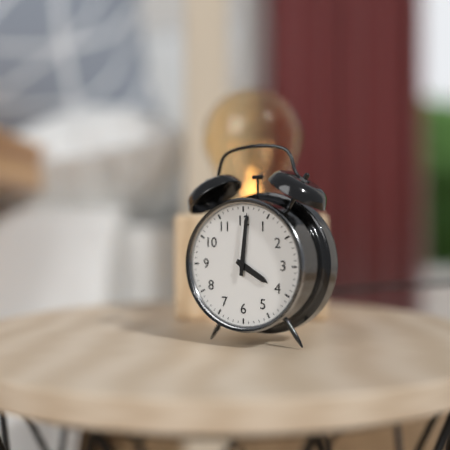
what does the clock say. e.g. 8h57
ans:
4h01
